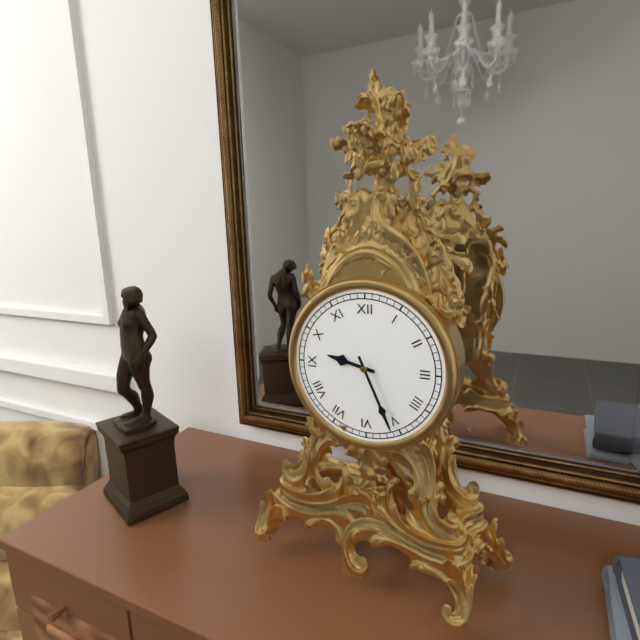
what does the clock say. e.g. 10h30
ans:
9h26
